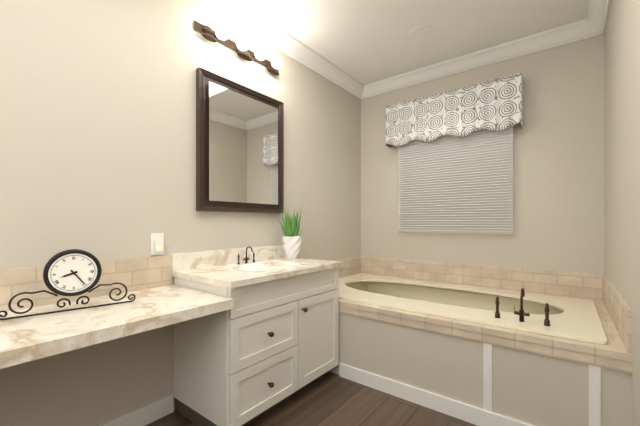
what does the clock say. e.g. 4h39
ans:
8h24
